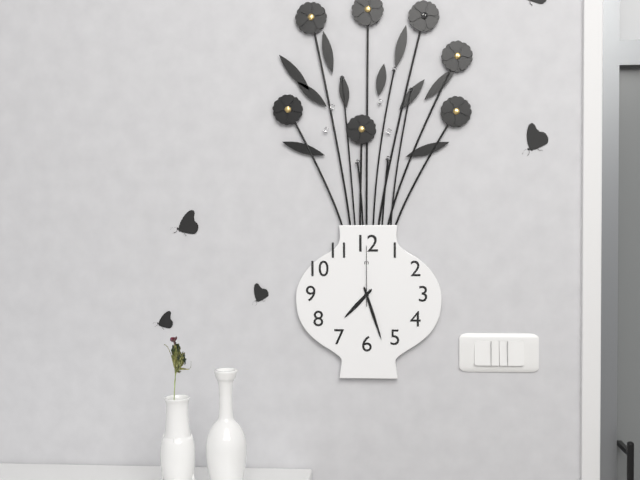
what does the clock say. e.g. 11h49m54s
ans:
7h27m00s
